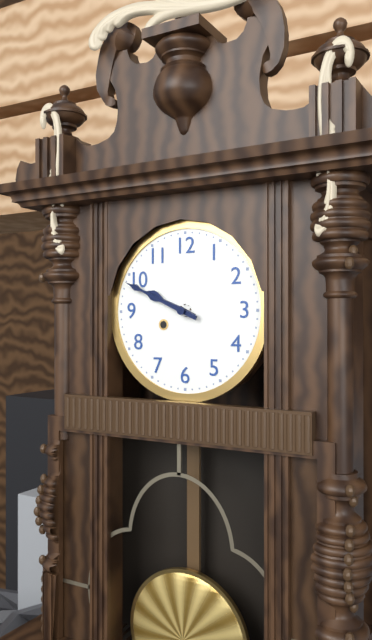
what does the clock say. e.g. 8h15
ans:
9h49
